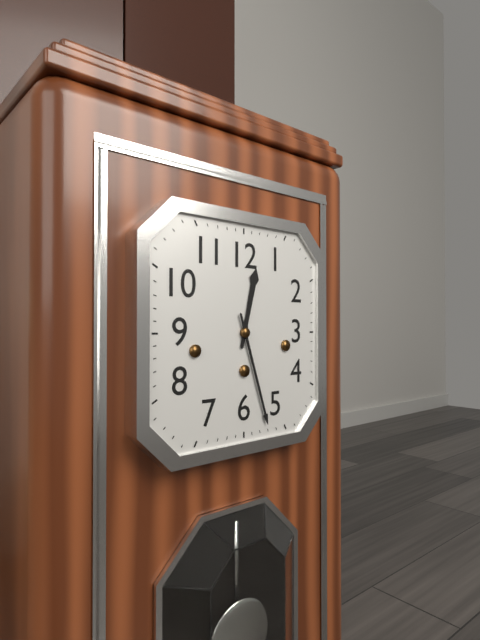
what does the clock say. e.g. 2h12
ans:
12h27
